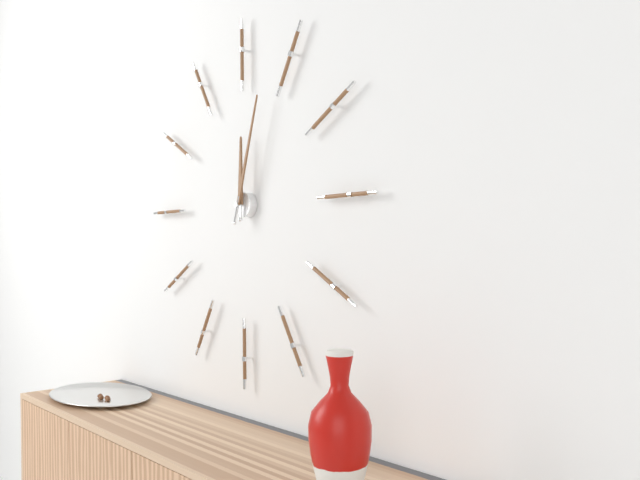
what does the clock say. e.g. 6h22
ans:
12h03
